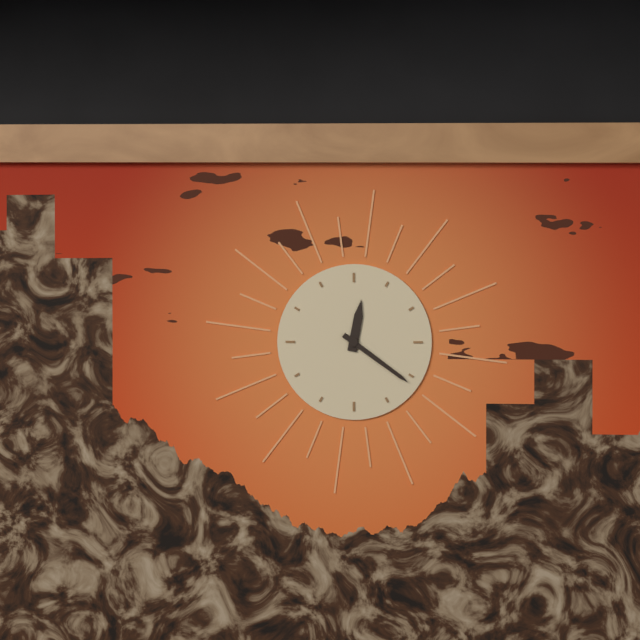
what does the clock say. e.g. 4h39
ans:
12h21
